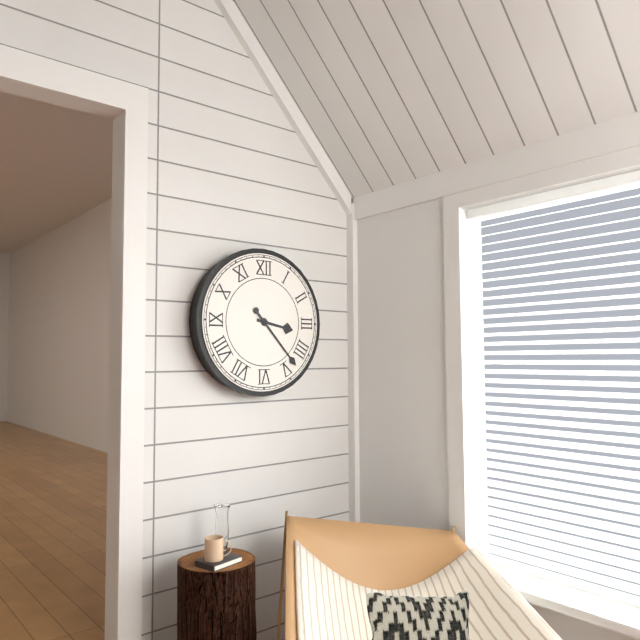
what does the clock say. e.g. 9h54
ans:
3h23
